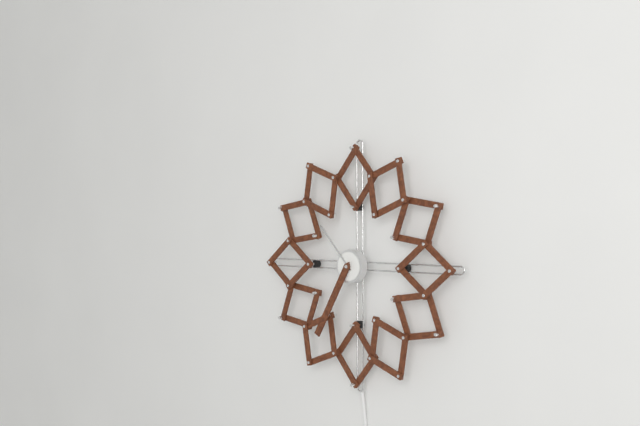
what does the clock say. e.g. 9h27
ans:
10h35
